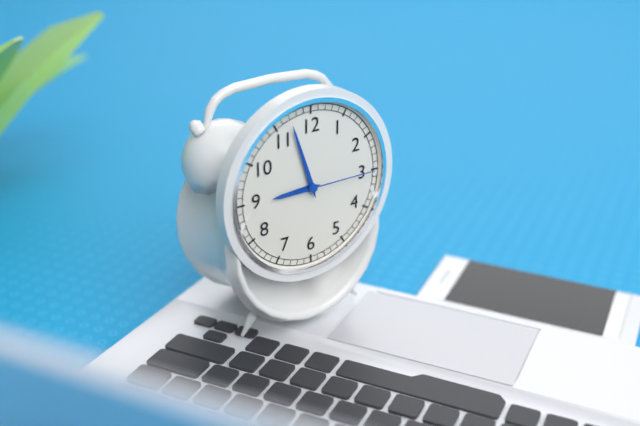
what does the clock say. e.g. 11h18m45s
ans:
8h57m15s
